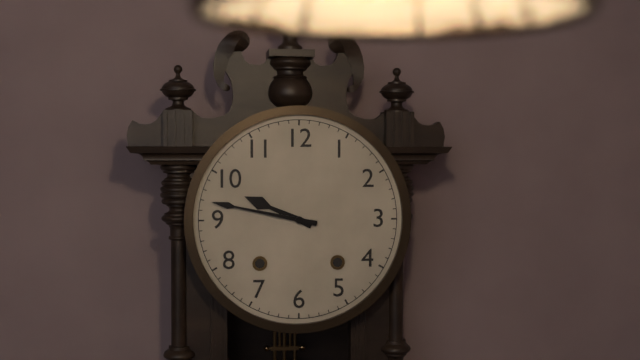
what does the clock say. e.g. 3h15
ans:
9h47
